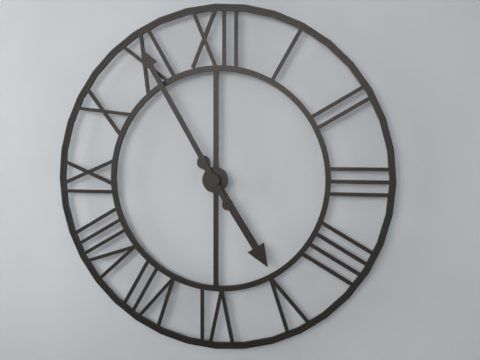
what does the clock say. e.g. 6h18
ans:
4h55
